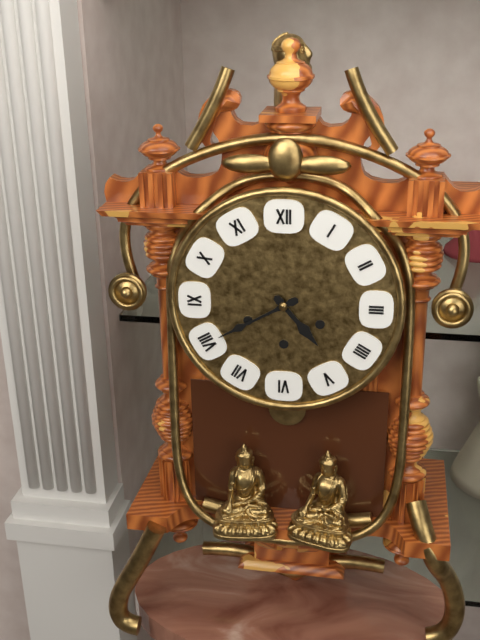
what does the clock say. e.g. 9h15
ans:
4h40
